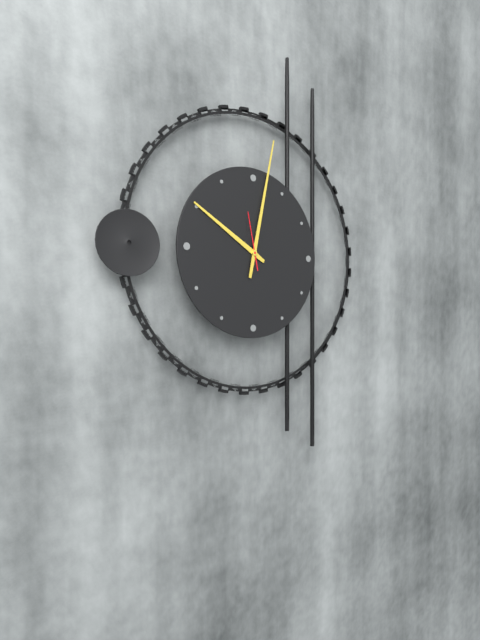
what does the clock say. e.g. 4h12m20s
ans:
10h02m58s
